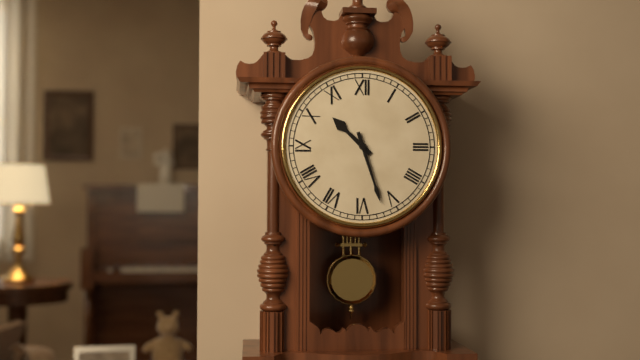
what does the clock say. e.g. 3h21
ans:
10h27
